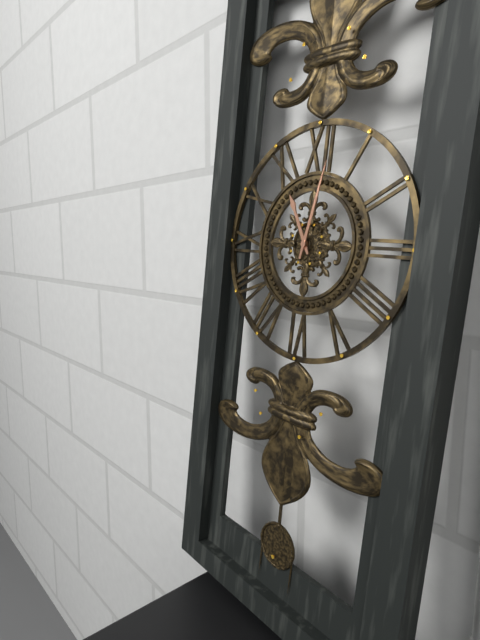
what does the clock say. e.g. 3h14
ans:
11h02
